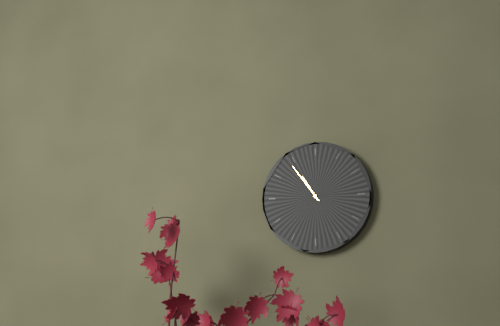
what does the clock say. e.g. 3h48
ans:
10h54
